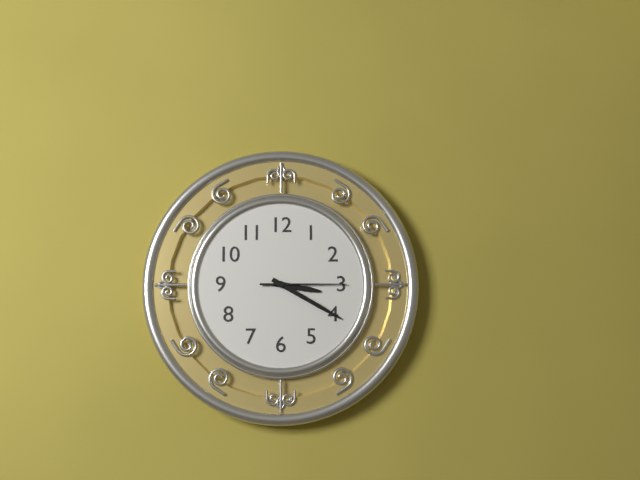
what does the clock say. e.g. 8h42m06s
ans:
3h20m15s
